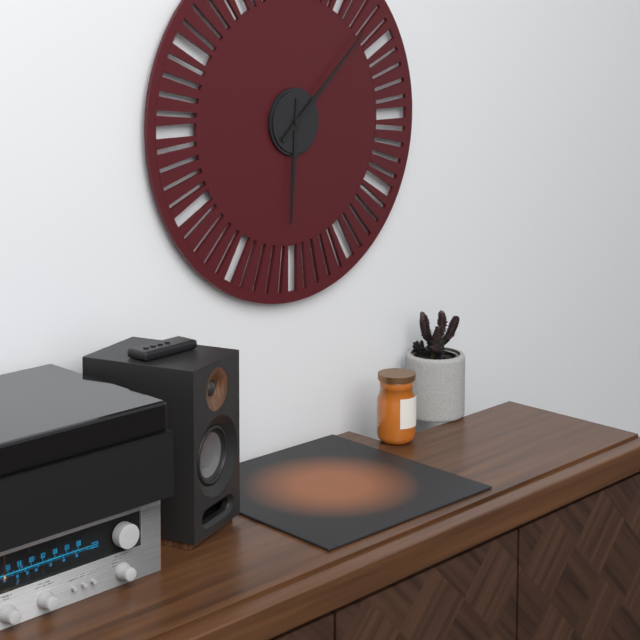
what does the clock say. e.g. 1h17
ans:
6h08
